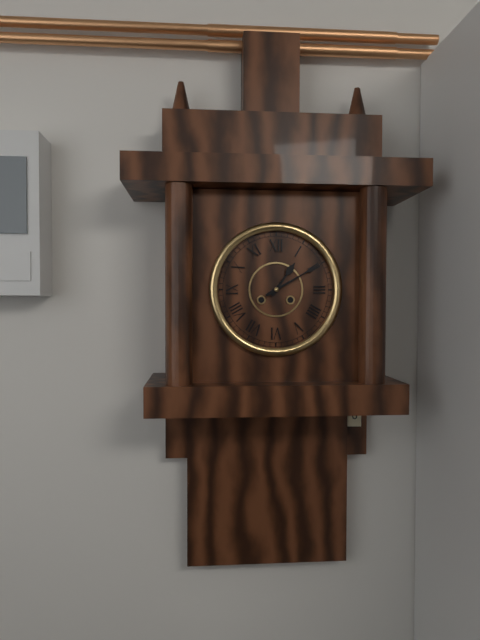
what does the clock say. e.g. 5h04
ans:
1h10
